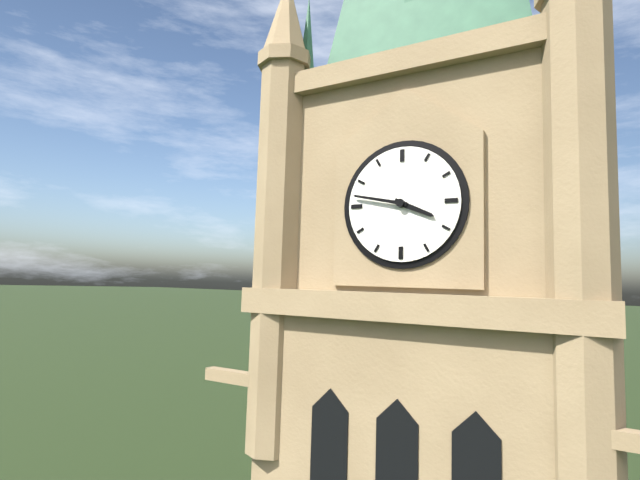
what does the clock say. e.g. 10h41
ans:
3h47
